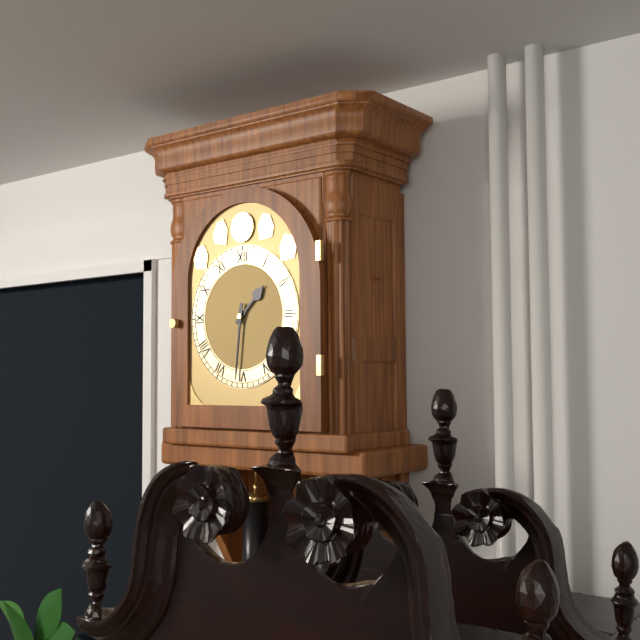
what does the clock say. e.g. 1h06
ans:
1h31
